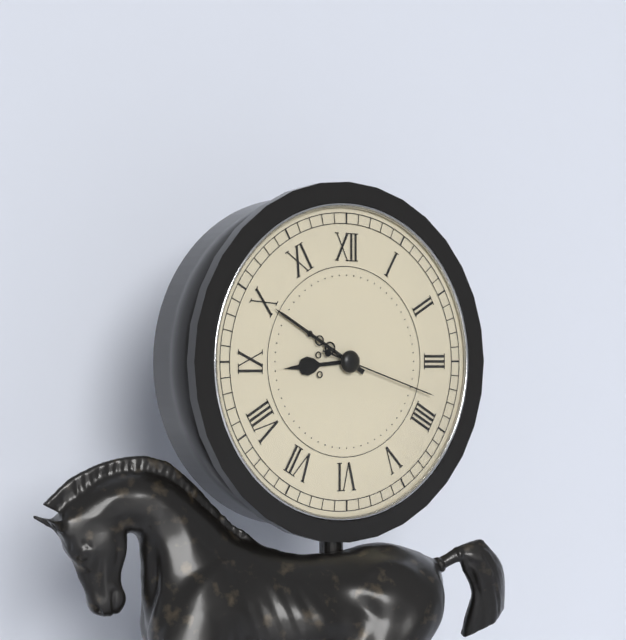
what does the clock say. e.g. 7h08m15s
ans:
8h50m18s
